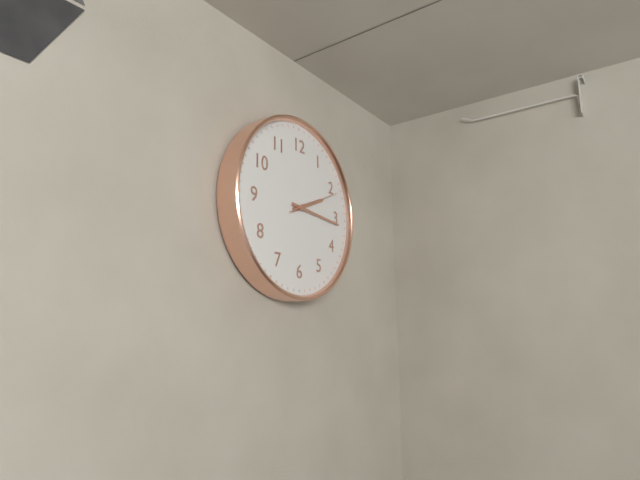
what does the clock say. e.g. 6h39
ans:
2h16
